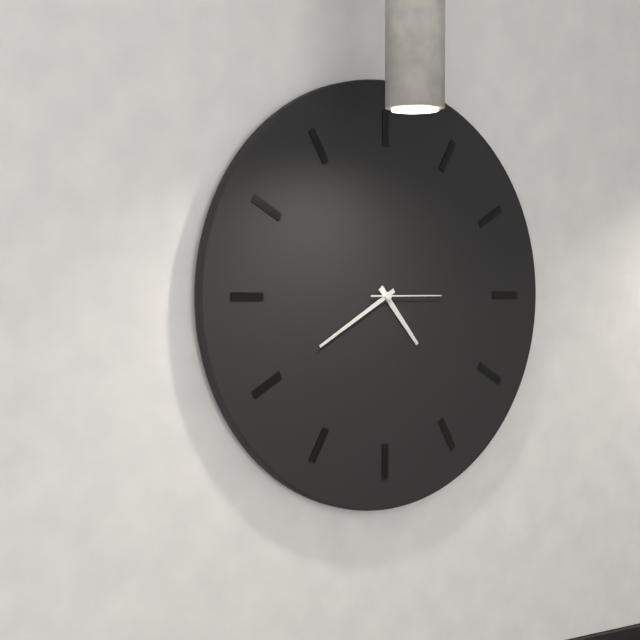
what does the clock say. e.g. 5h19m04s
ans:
4h40m15s
